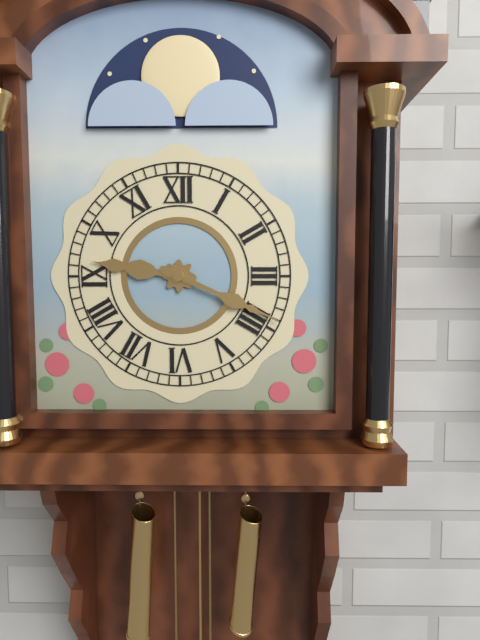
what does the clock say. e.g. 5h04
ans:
9h19
